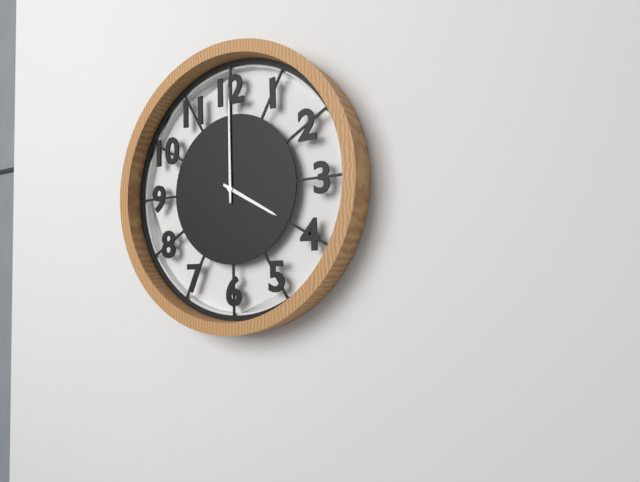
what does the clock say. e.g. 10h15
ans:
4h00
